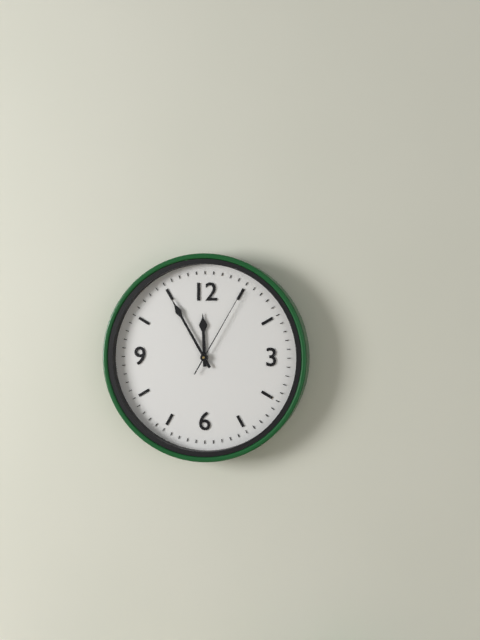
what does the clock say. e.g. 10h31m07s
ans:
11h55m05s
